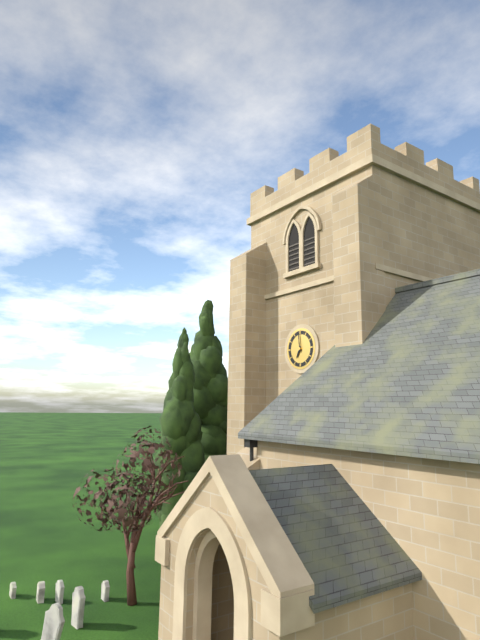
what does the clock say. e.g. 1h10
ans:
6h59
